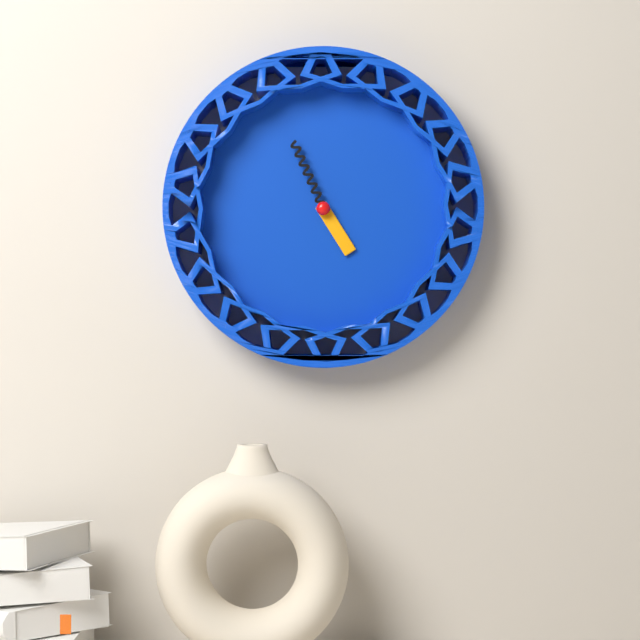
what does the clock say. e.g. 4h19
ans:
4h56
